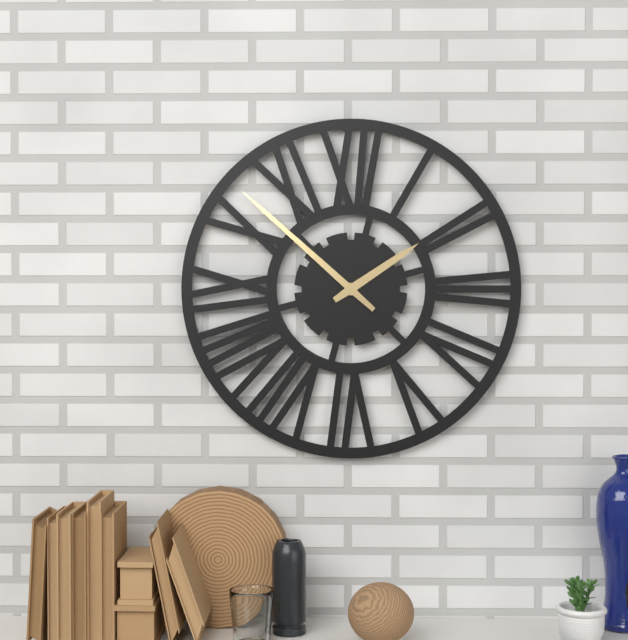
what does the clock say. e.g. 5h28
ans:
1h52
